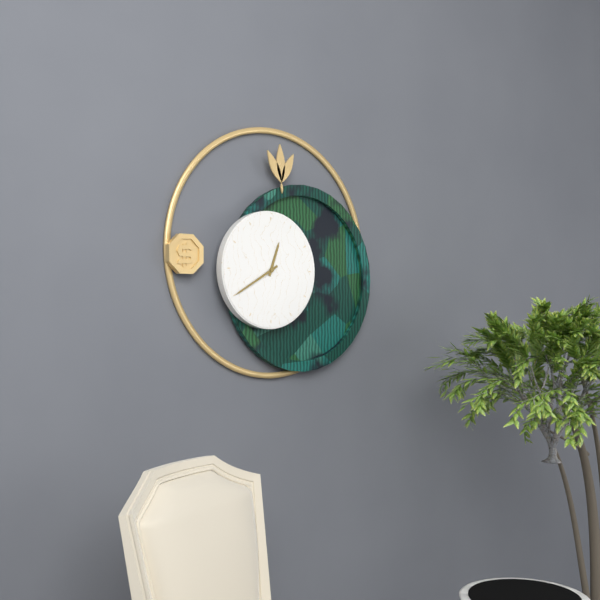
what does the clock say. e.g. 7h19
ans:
12h40
